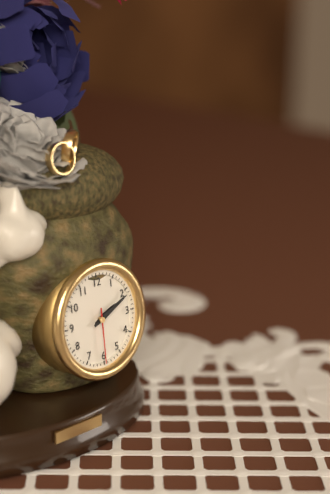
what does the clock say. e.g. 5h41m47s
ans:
2h11m30s
